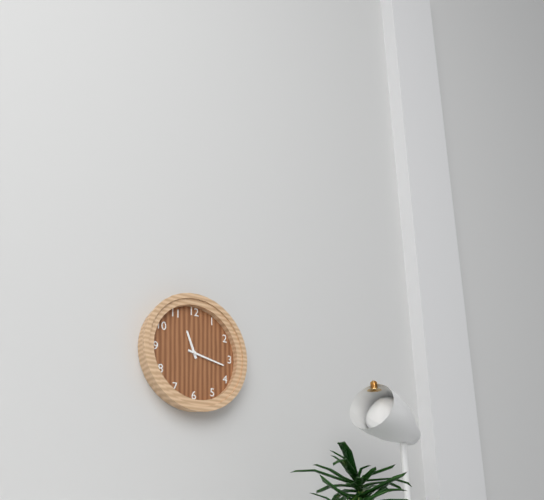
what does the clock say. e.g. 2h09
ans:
11h17
